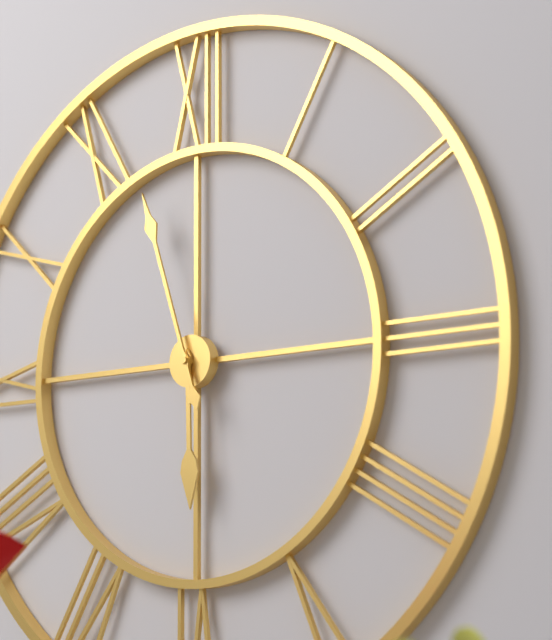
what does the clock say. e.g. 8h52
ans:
5h57
